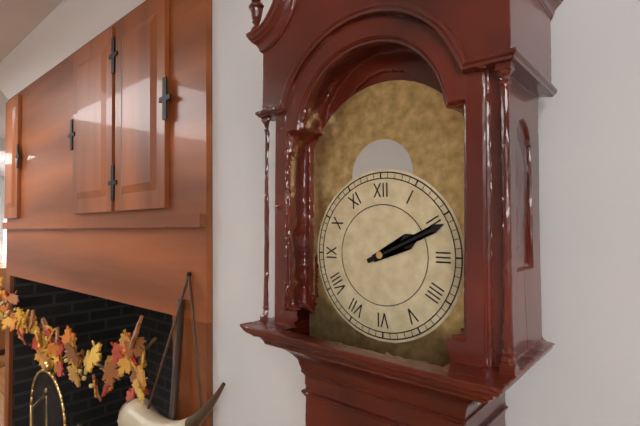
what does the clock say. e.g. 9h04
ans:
2h11
